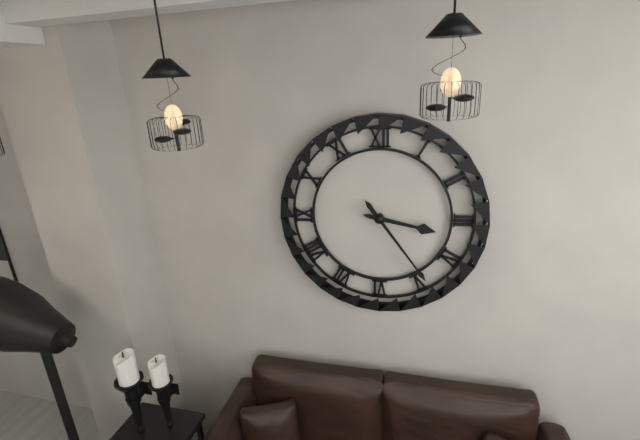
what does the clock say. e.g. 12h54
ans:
3h24
